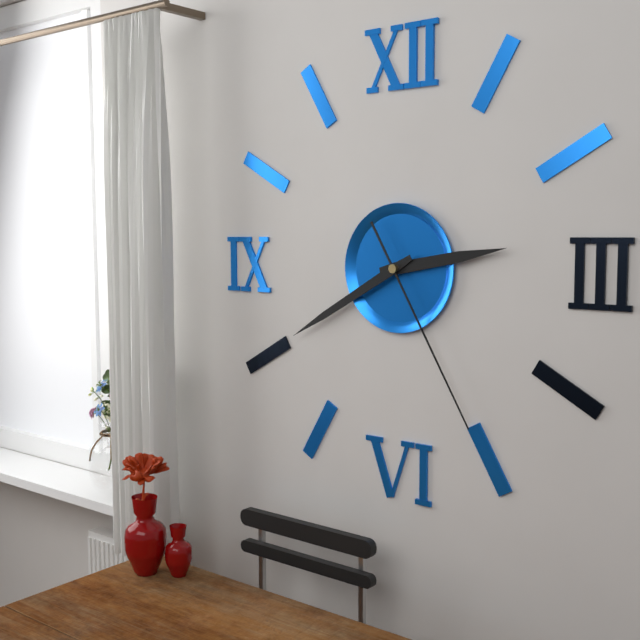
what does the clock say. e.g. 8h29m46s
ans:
2h40m25s
